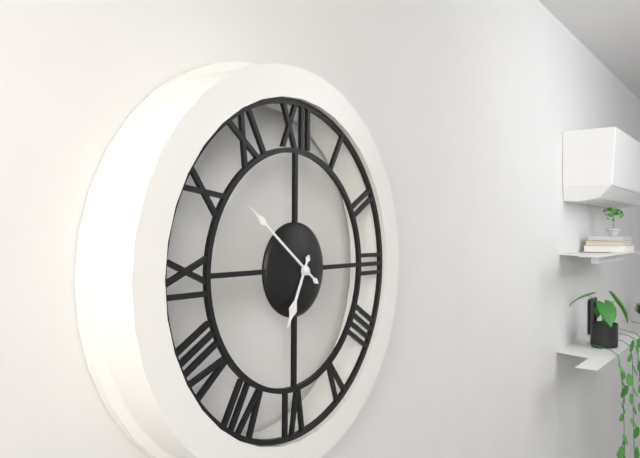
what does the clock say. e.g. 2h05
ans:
6h51
